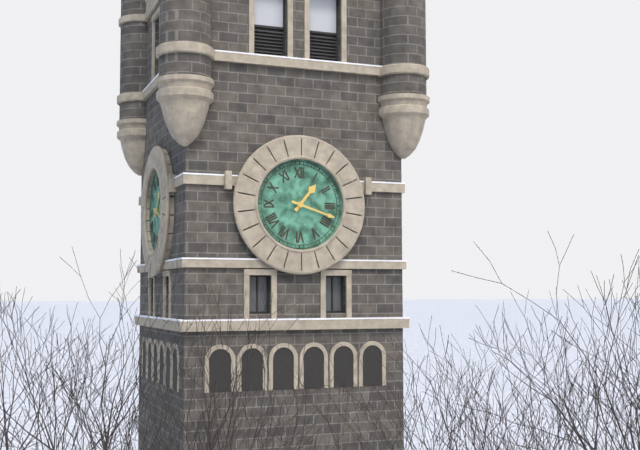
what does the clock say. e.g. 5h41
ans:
1h18
